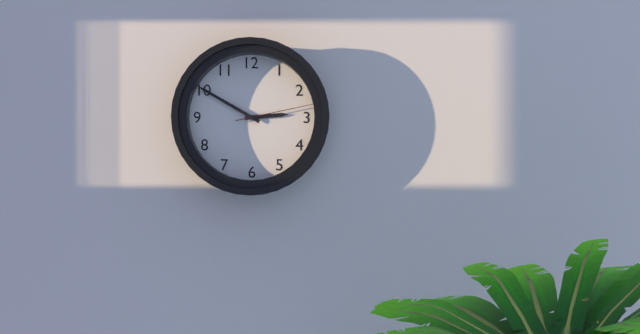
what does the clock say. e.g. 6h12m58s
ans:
2h50m13s
